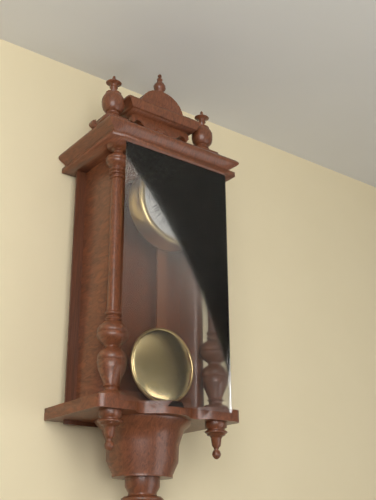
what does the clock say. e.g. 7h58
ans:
6h00
